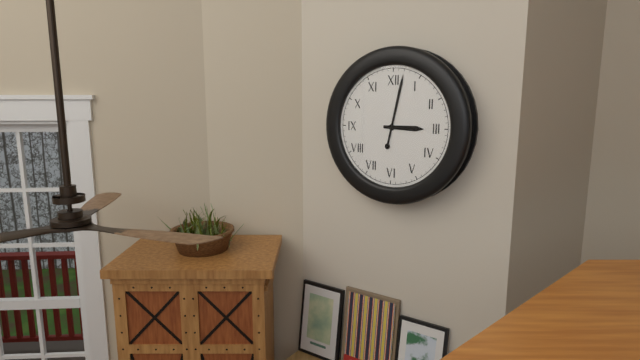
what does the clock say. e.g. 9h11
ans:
3h02
